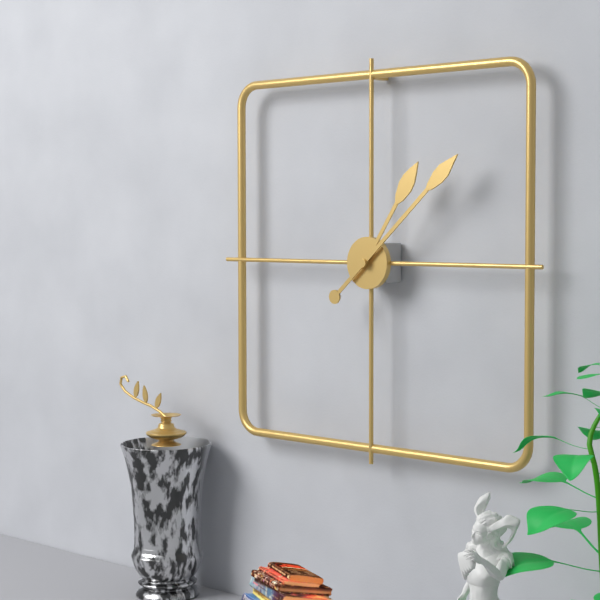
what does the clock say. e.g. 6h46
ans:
1h08
